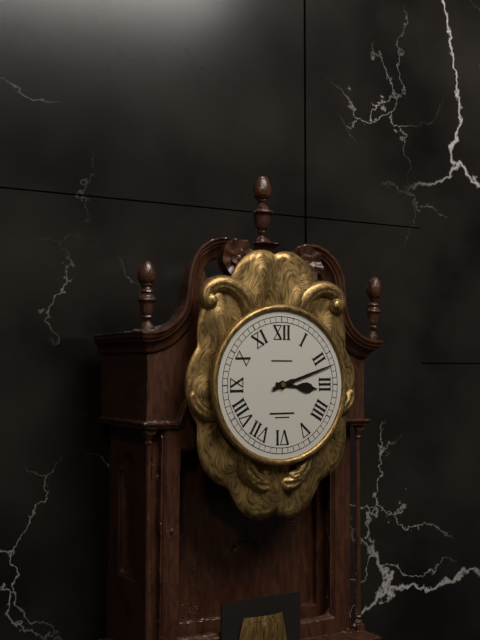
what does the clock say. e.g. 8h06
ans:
3h12
